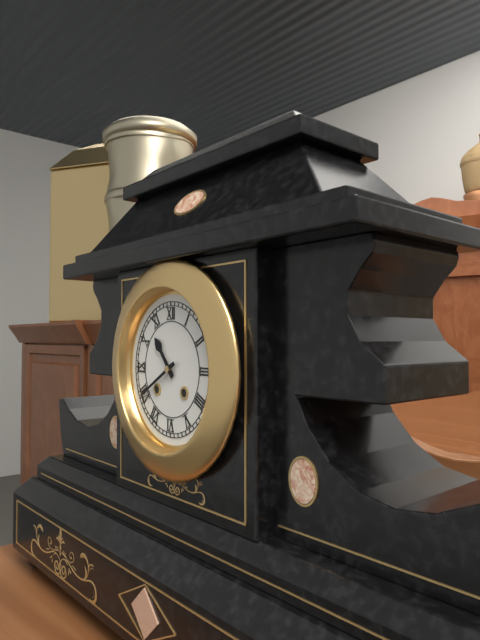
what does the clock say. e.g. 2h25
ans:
10h40
